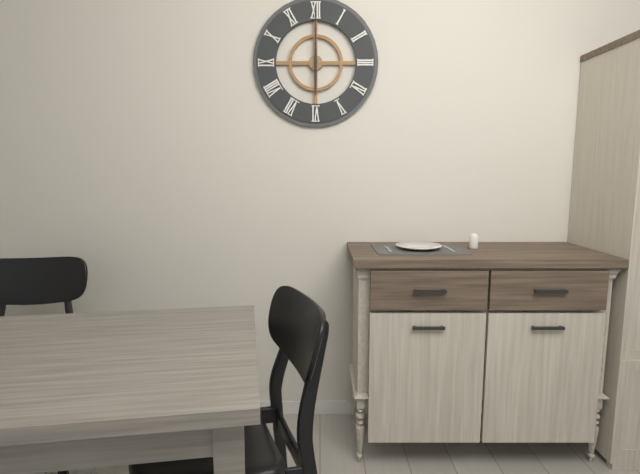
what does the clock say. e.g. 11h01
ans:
6h00
